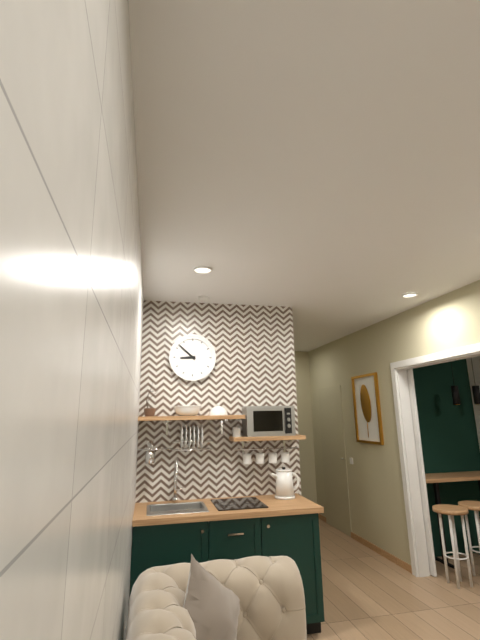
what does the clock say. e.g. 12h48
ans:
8h52
